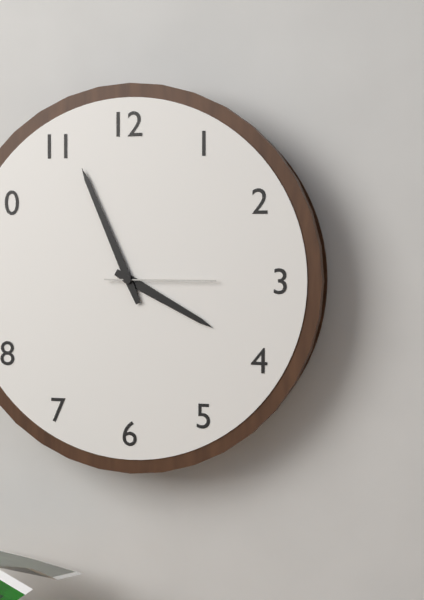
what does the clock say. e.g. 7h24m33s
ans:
3h56m15s
